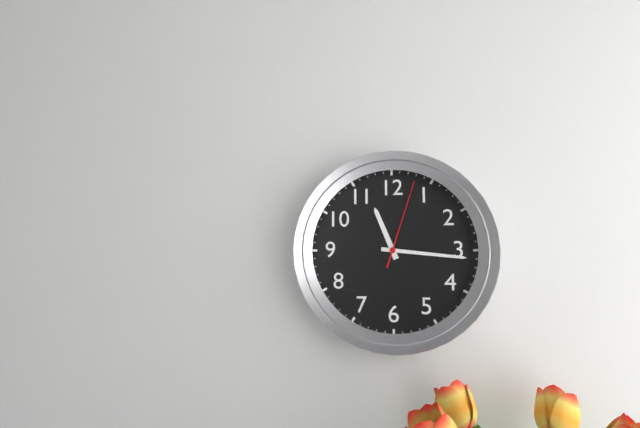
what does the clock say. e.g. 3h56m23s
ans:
11h16m03s
